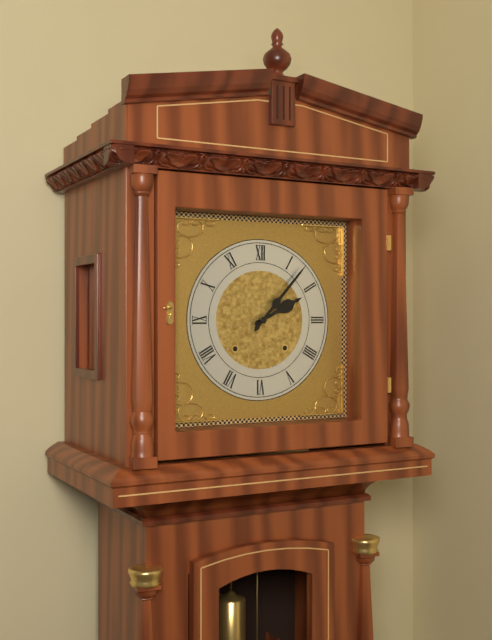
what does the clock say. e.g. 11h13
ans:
2h07
